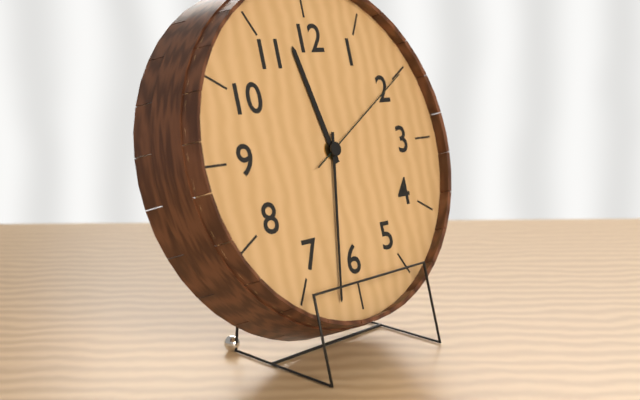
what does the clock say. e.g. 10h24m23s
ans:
11h32m10s
